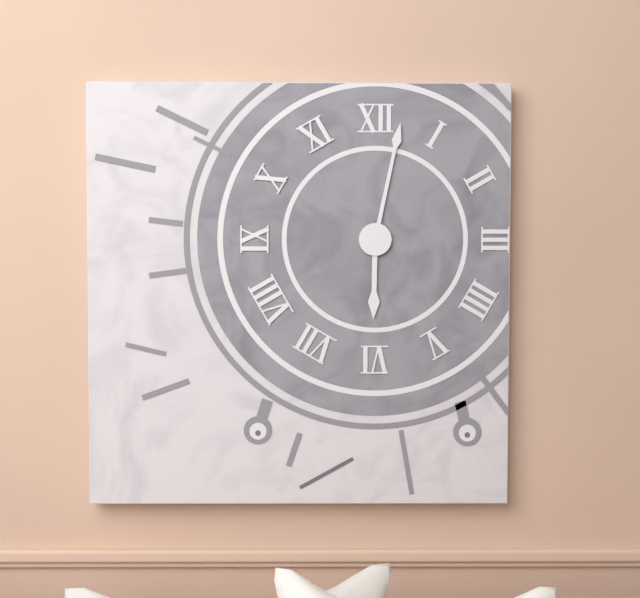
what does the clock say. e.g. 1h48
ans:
6h02
